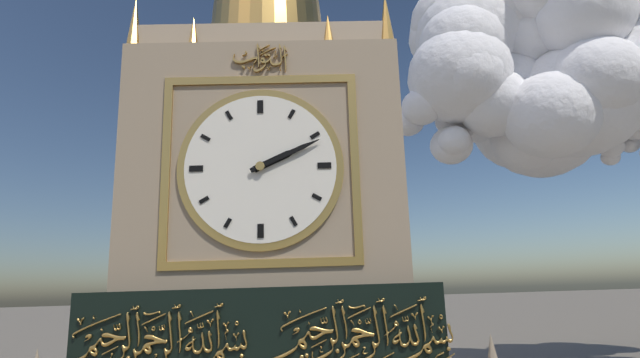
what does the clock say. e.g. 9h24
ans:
2h11
